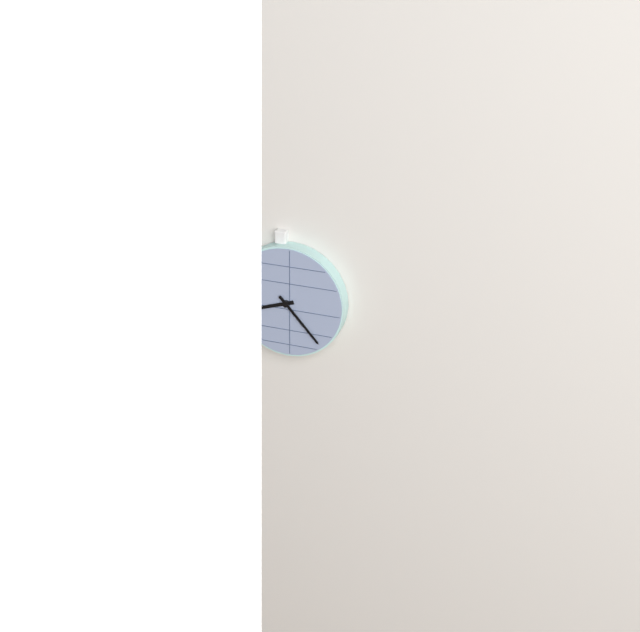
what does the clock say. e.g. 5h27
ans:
8h23
